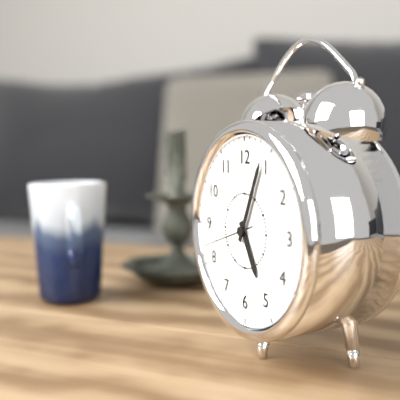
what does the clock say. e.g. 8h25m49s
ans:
5h04m42s
